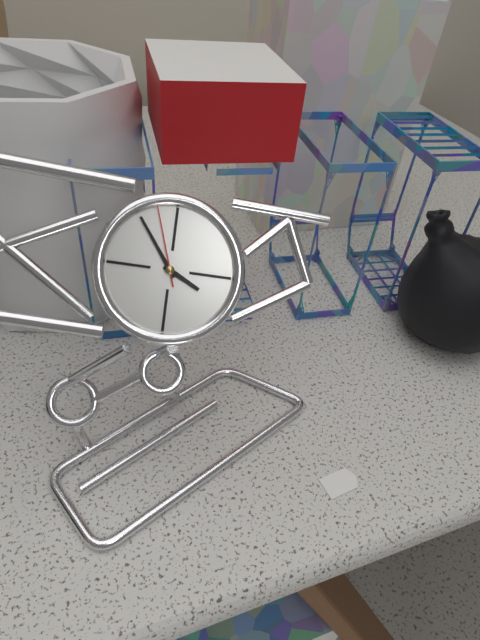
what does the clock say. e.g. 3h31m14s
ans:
3h54m57s
